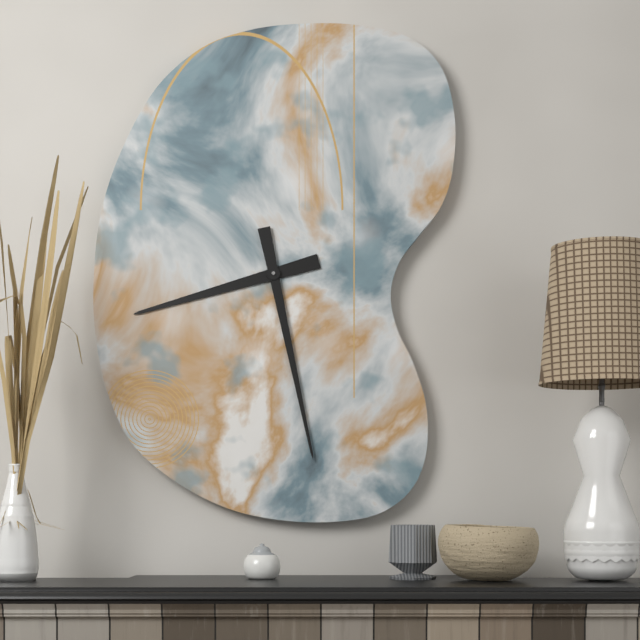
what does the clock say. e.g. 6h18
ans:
8h28
